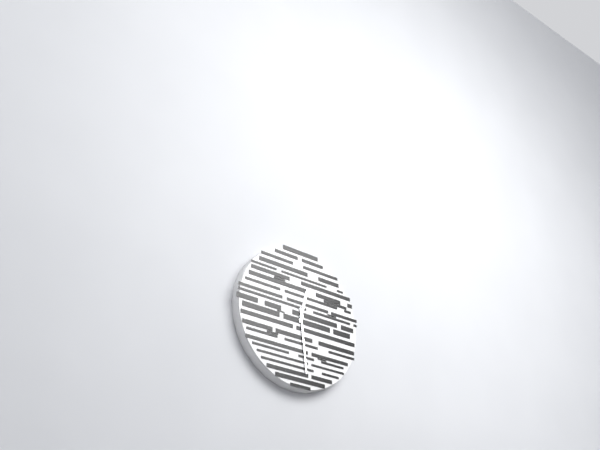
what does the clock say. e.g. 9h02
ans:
12h29
